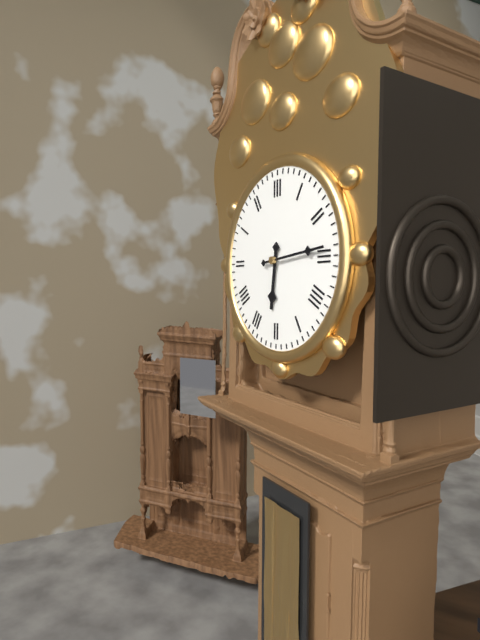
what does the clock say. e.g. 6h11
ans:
6h14
